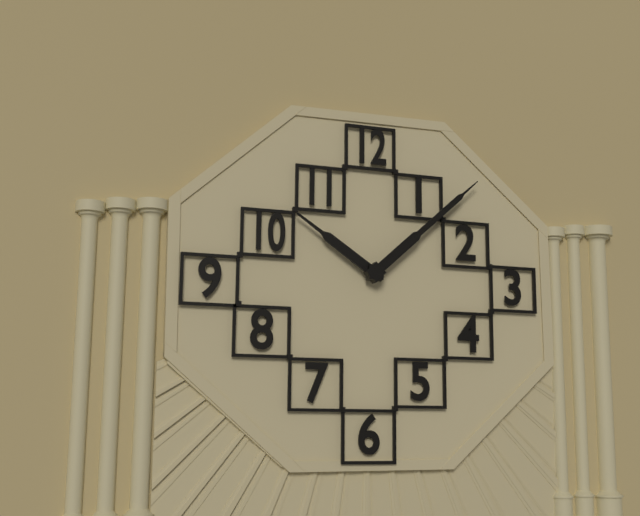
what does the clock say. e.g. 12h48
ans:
10h08
